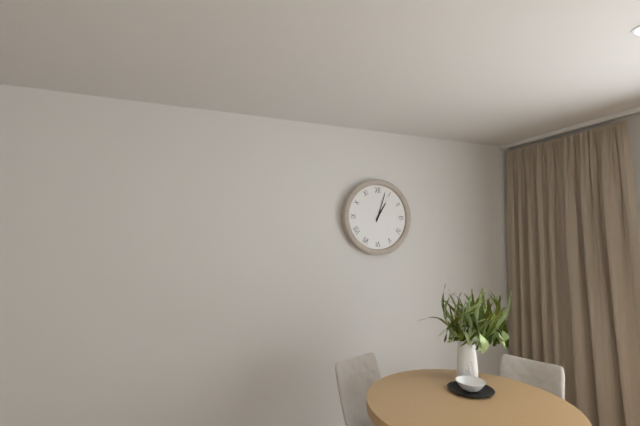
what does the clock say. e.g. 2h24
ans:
1h03
